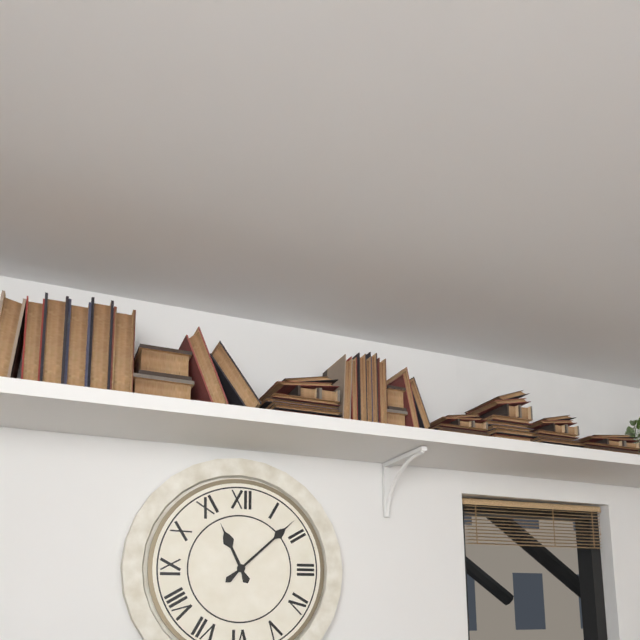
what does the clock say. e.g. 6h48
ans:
11h08
